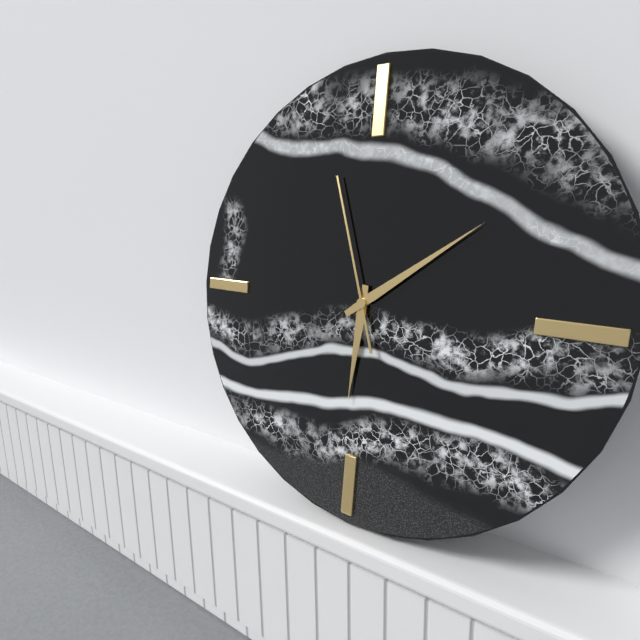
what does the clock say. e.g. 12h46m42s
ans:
6h09m57s
